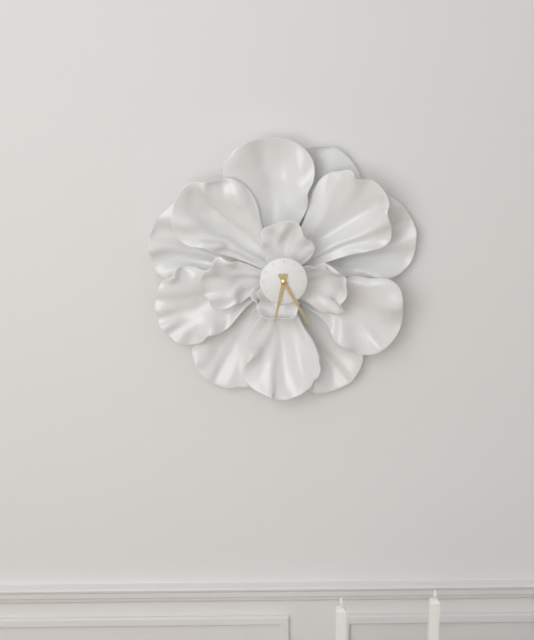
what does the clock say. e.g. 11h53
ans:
6h25
